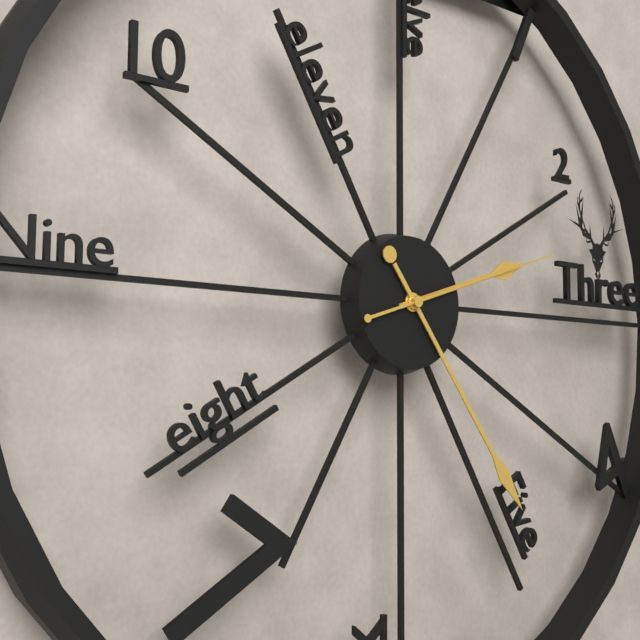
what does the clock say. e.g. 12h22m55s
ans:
2h24m12s
